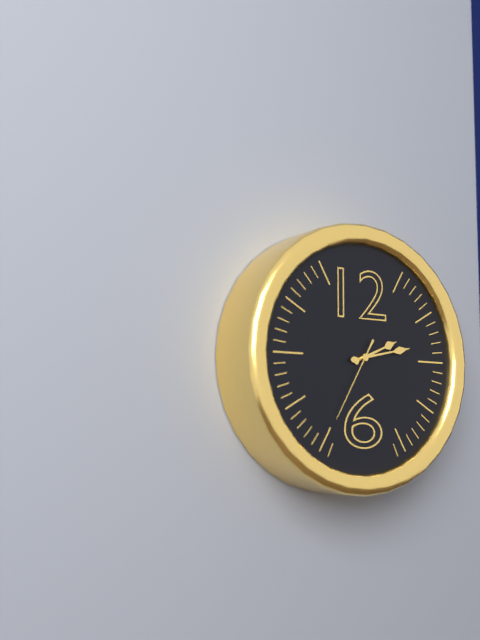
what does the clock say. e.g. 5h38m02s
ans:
2h13m35s
